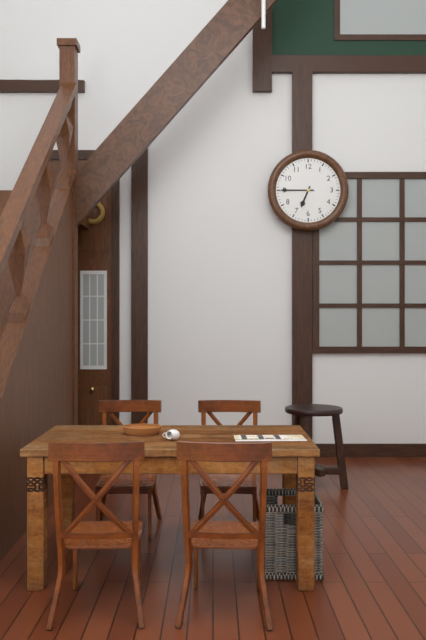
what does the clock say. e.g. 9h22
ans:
6h45
